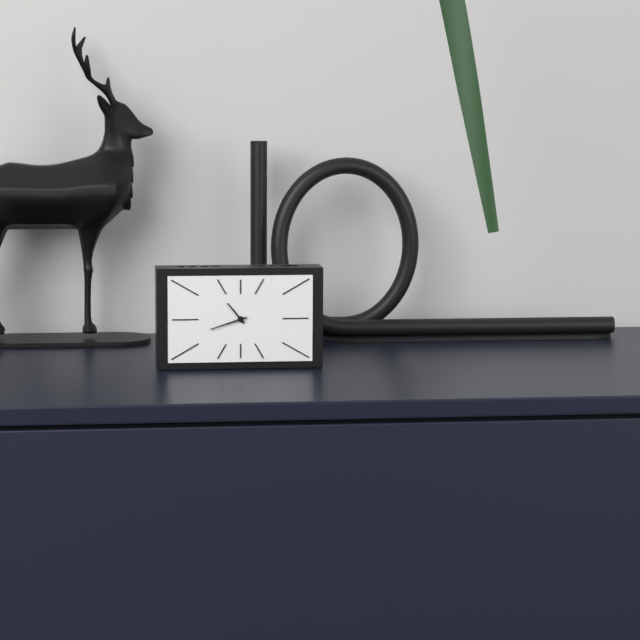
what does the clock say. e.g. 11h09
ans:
10h42
